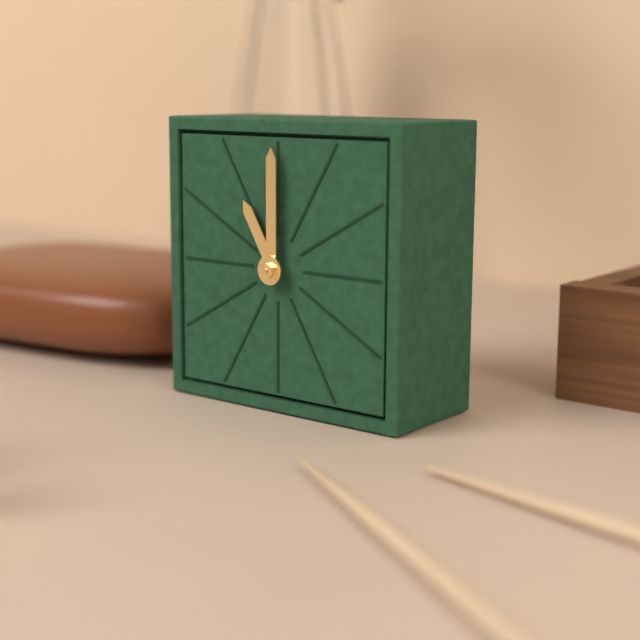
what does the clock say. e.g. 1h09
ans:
11h00
